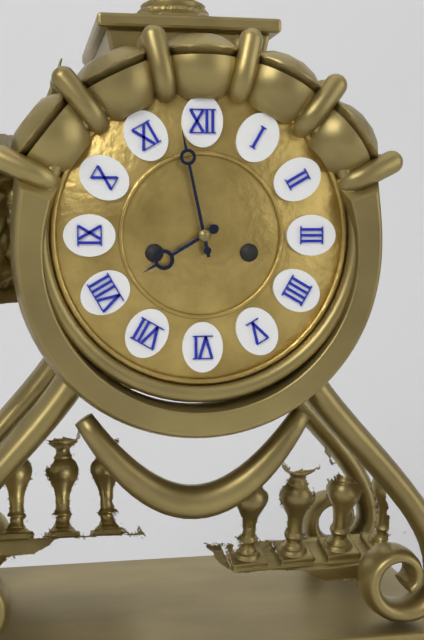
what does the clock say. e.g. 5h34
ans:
7h58
